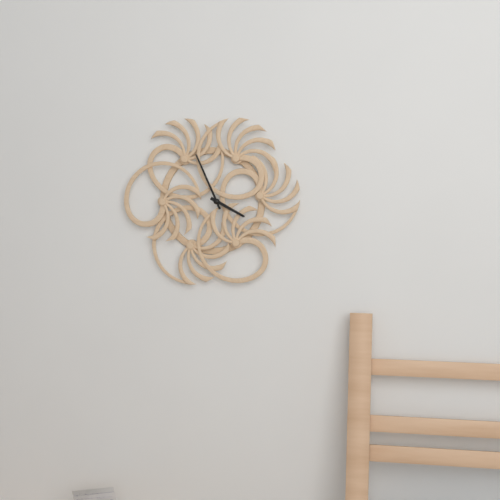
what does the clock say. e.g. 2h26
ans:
3h56
